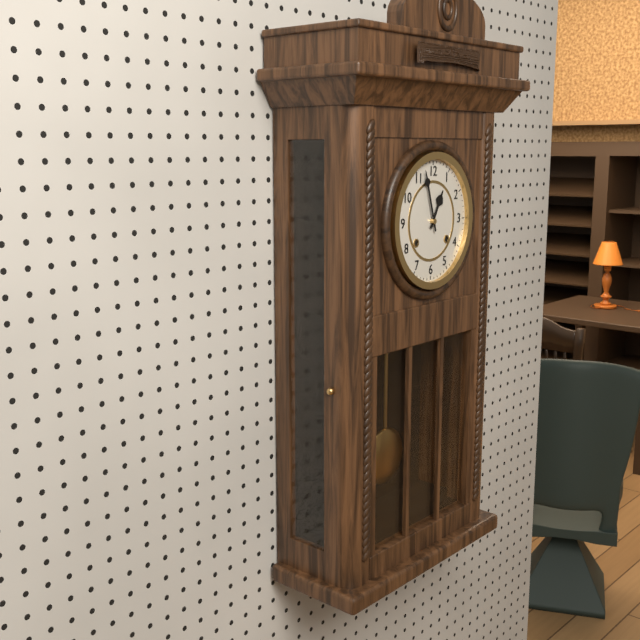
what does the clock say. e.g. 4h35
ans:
12h57
